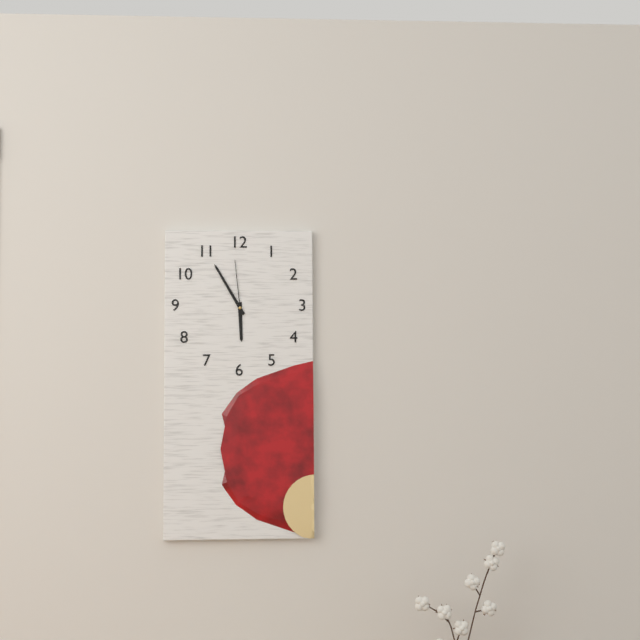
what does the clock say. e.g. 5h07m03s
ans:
5h55m59s
